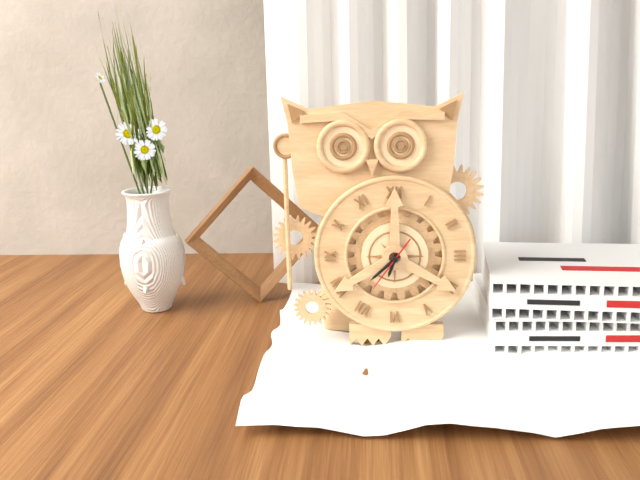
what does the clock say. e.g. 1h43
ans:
6h38
